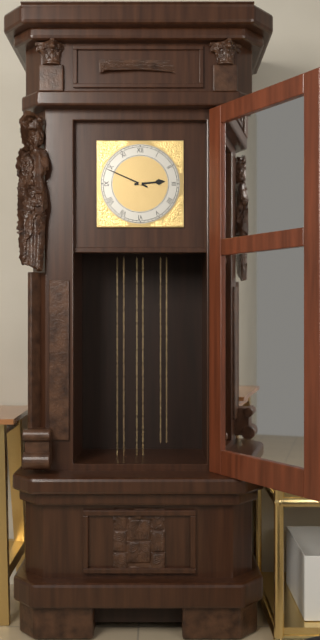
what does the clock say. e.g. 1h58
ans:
2h49
